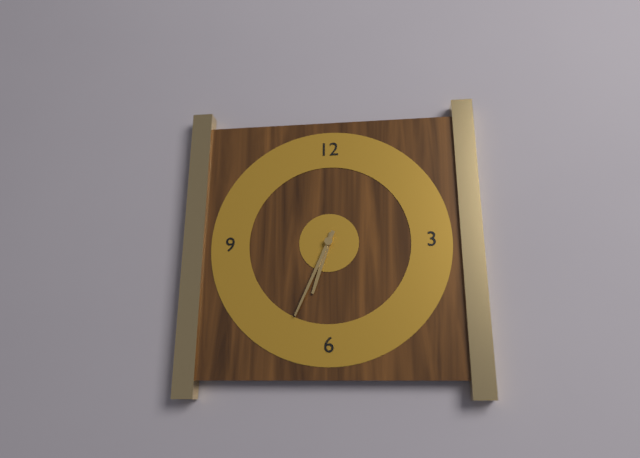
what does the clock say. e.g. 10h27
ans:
6h34
